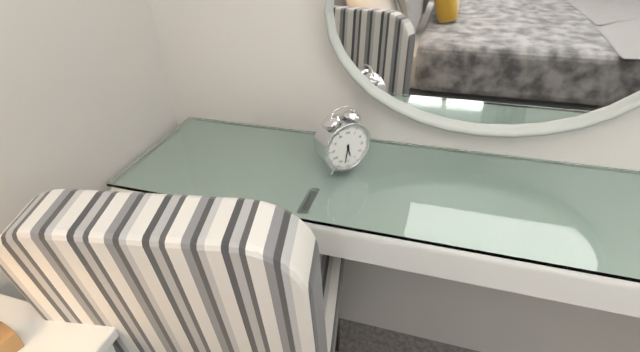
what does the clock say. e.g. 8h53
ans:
5h32
